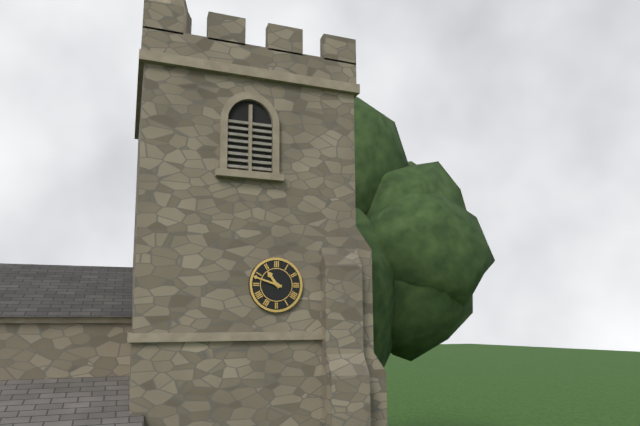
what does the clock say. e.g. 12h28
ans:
10h48
